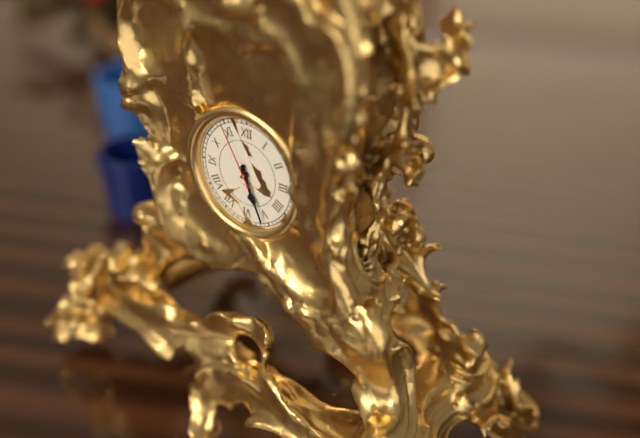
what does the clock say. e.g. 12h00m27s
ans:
5h26m55s
